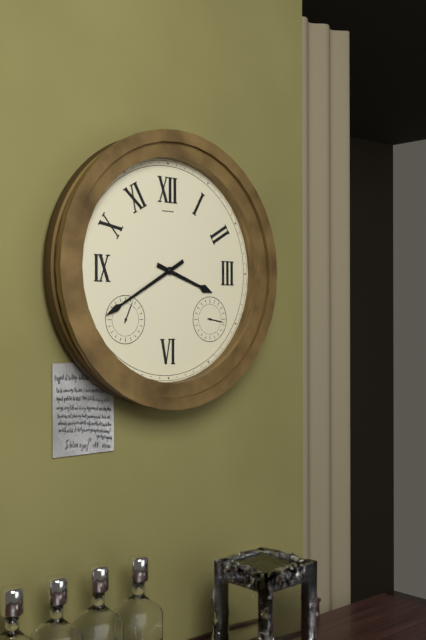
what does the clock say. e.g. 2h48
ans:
3h40
